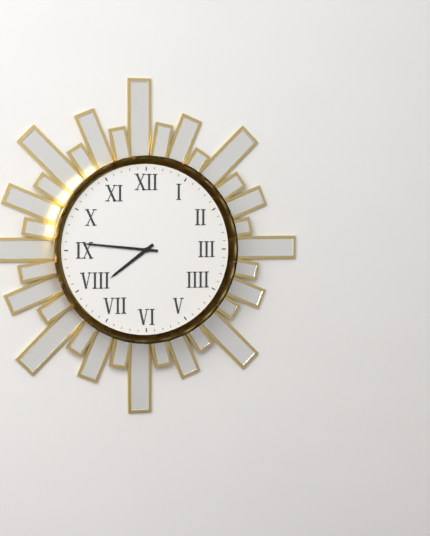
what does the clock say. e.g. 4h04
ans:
7h46
